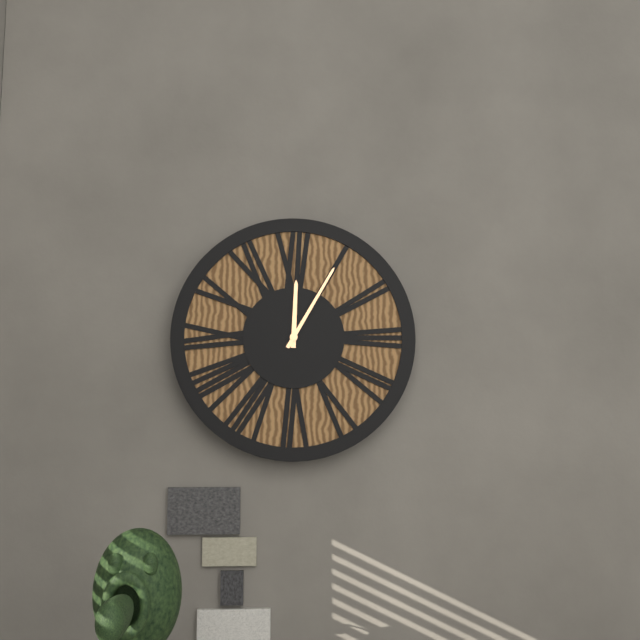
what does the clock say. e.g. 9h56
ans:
12h05
